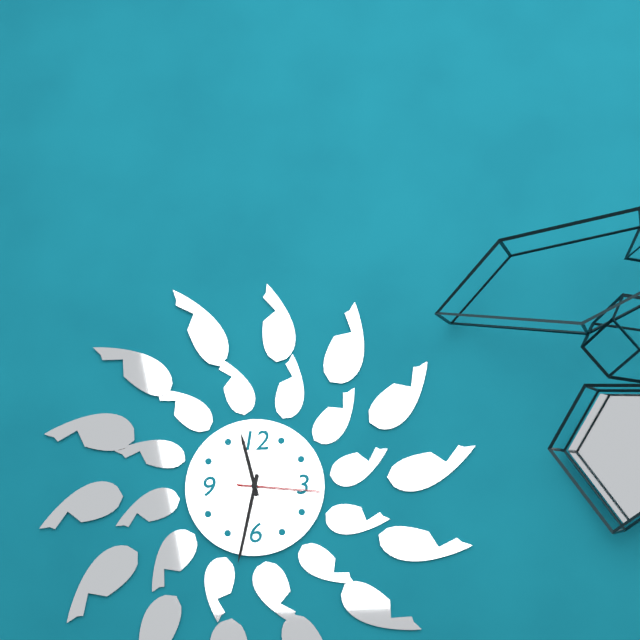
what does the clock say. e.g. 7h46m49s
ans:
11h32m16s
